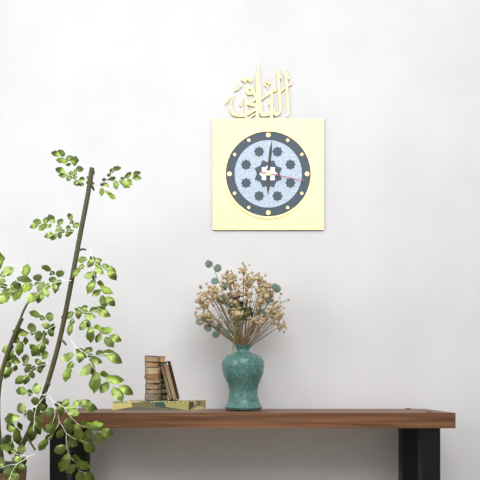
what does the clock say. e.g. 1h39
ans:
6h01
